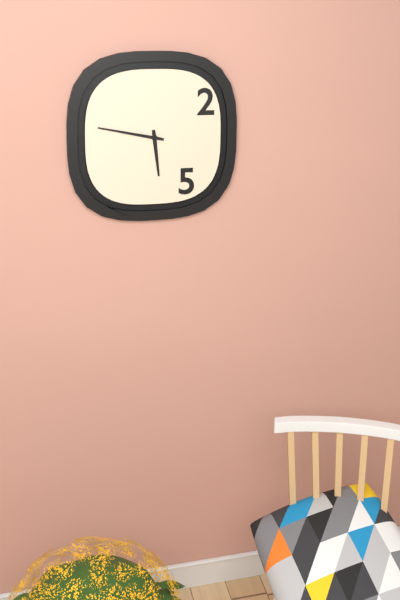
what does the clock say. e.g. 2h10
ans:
5h47
